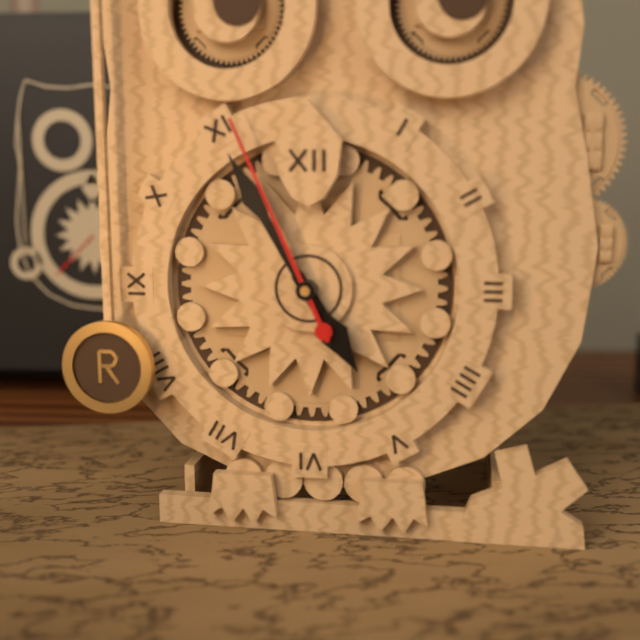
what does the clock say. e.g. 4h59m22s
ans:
4h55m56s
